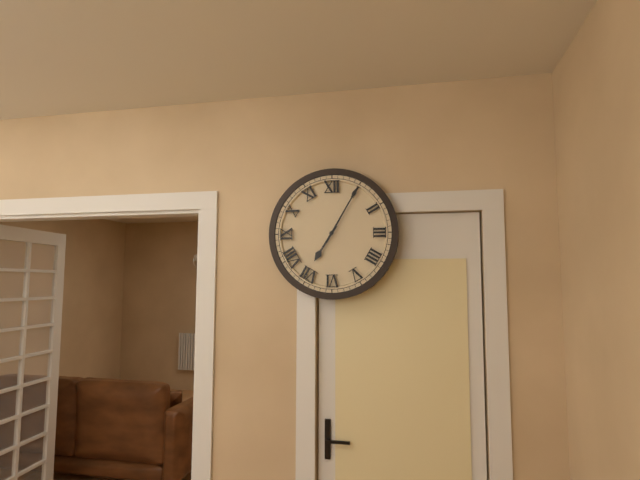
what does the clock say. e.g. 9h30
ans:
7h05
